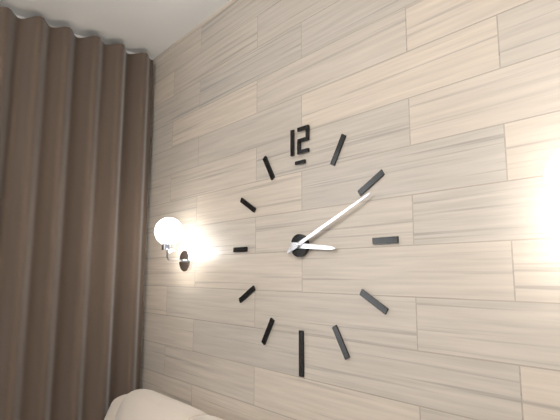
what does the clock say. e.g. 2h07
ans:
3h11
